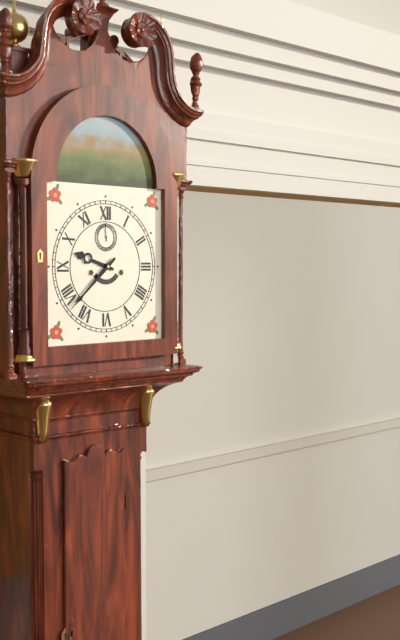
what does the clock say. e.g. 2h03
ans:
9h38
